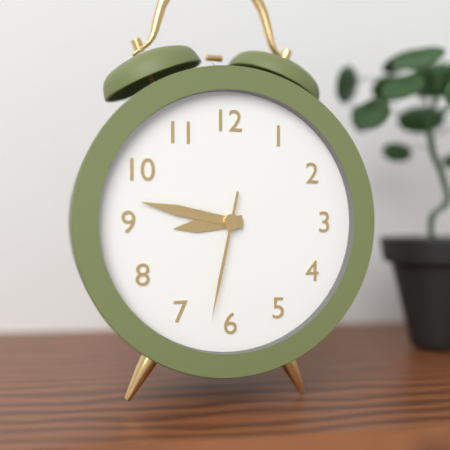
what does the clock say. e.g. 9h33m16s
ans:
8h47m32s
